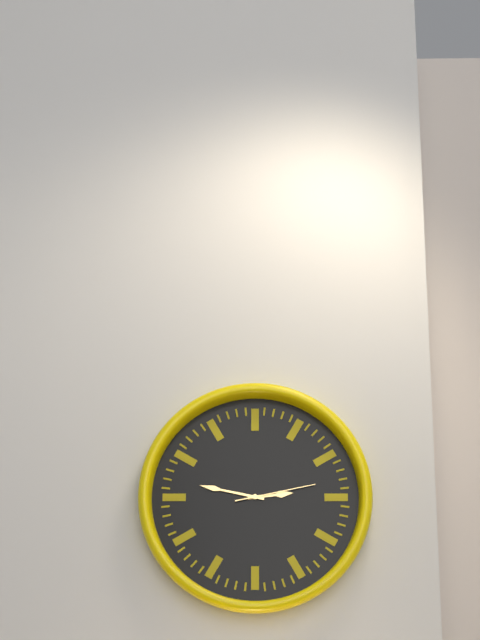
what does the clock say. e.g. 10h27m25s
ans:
2h47m13s
